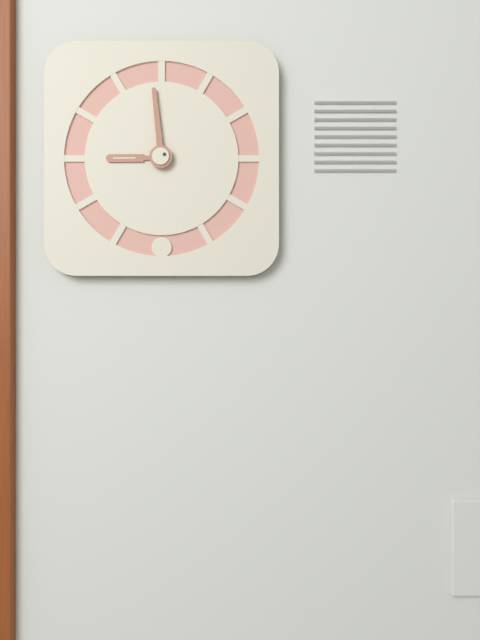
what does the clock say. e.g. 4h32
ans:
8h59
